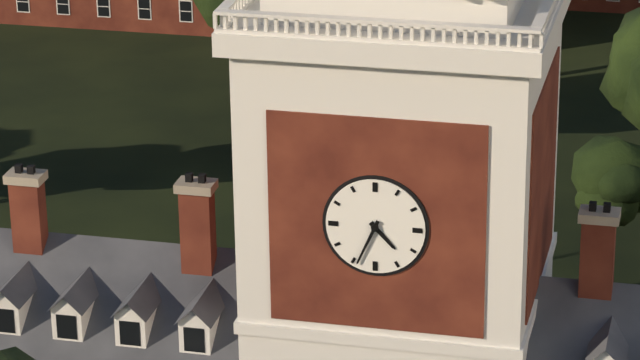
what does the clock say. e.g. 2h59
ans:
4h34
